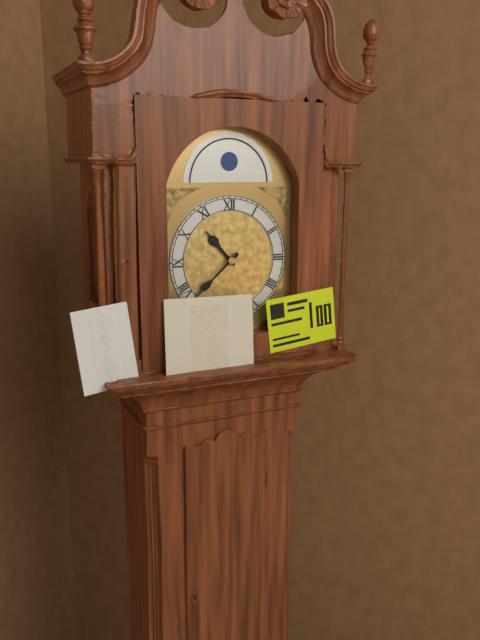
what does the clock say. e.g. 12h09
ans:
10h38
